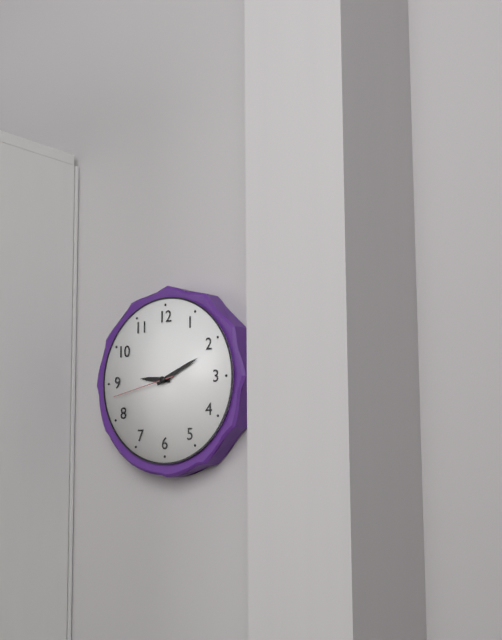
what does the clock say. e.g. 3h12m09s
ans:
9h11m43s
